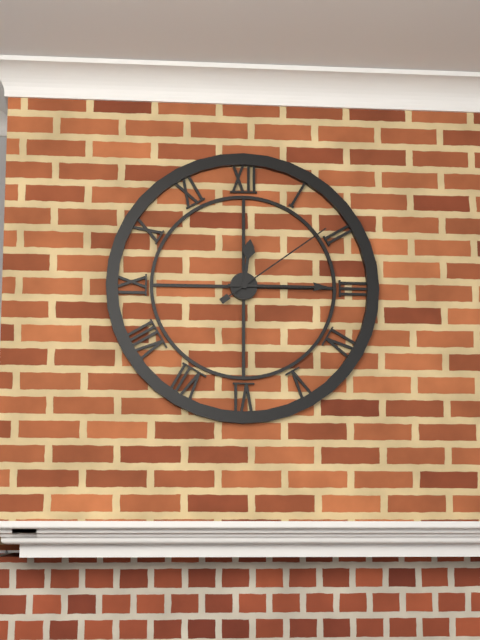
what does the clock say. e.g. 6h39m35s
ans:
12h15m09s
